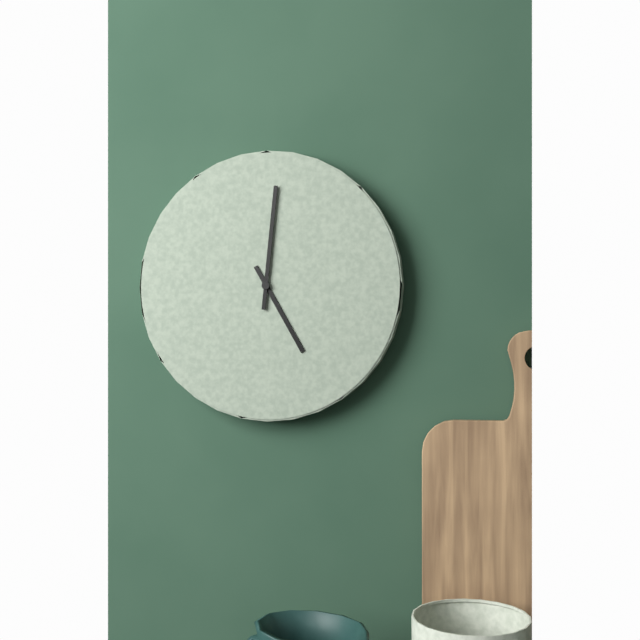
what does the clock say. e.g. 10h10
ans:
5h01
